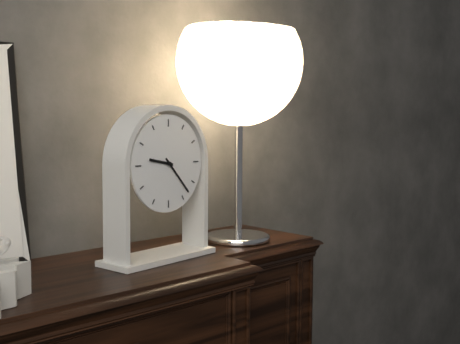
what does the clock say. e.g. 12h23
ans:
9h23
